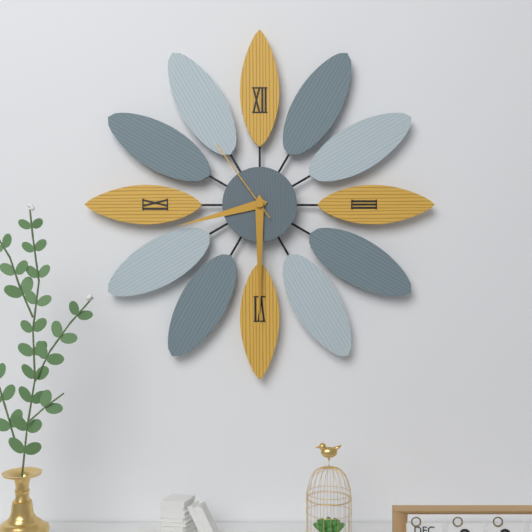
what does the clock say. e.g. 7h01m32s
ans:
8h30m54s
